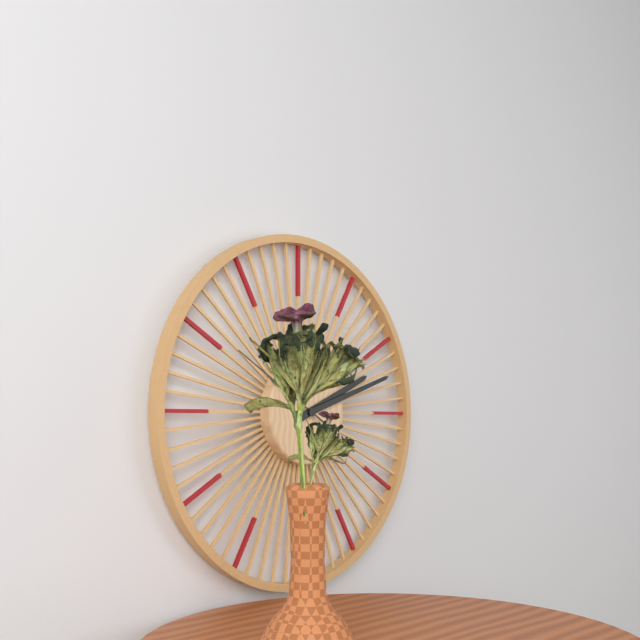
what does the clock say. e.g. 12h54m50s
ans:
2h12m50s
